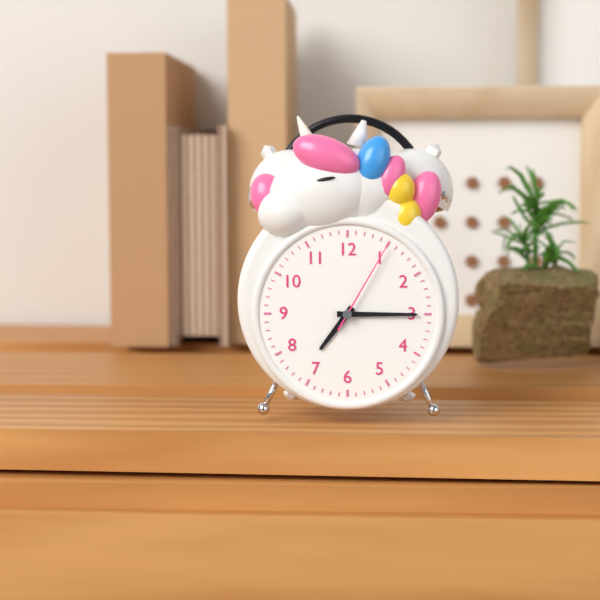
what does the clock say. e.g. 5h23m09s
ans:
7h15m05s
